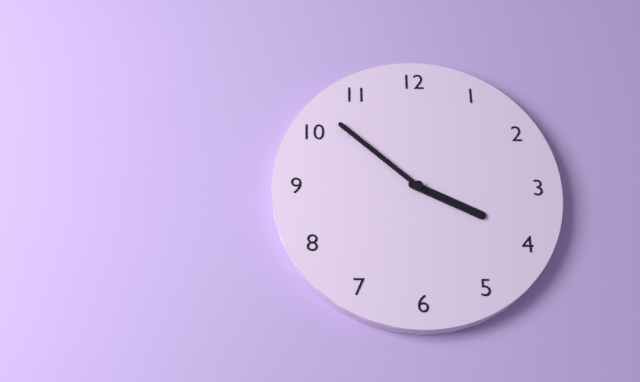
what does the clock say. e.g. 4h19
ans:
3h52
